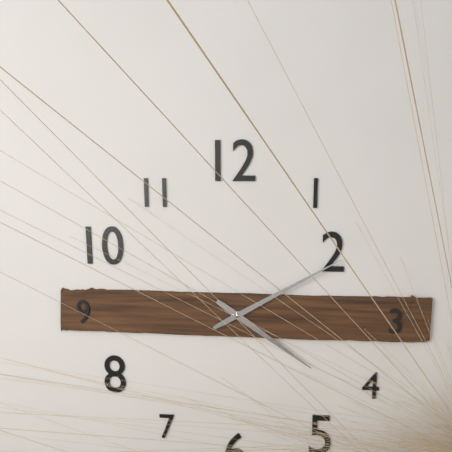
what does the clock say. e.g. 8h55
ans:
4h10
